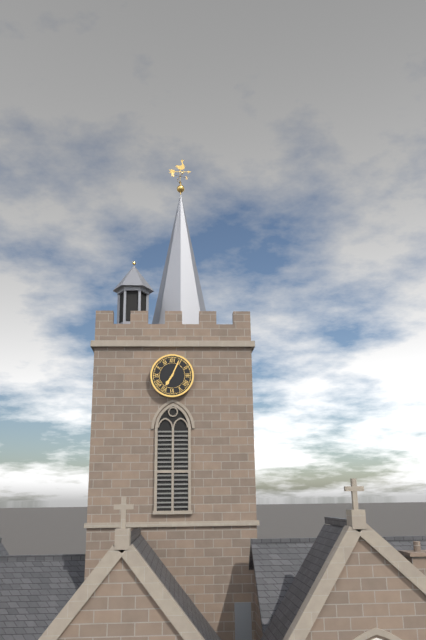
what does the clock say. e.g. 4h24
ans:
7h04
